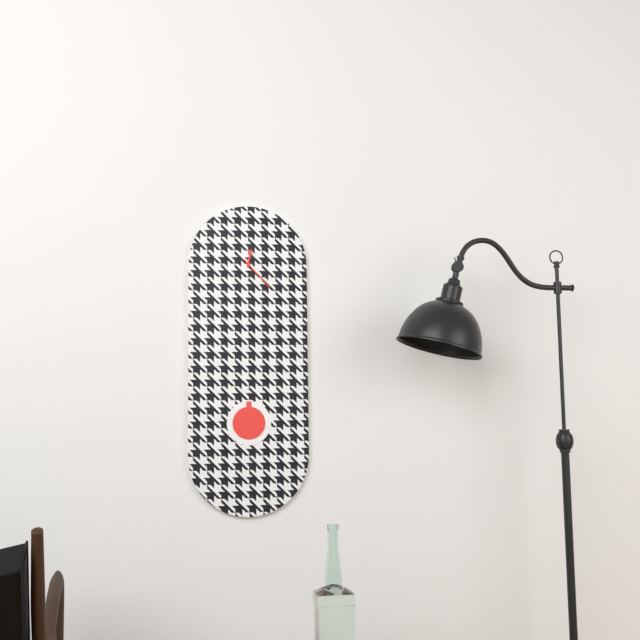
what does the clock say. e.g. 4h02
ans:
12h23
